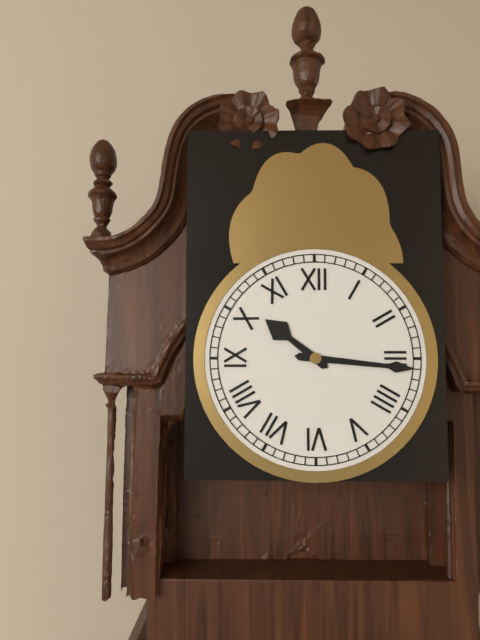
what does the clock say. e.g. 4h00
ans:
10h16
